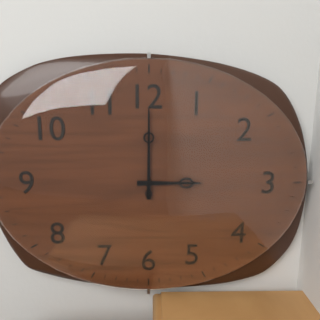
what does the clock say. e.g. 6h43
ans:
3h00
